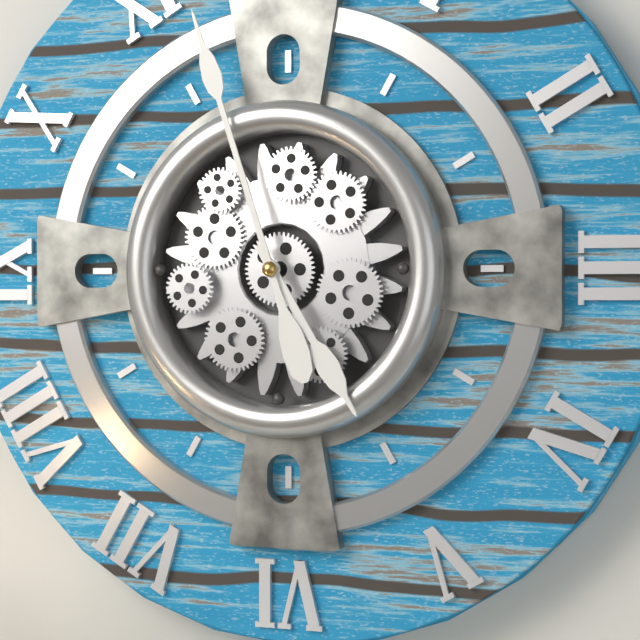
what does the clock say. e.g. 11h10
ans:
4h57
